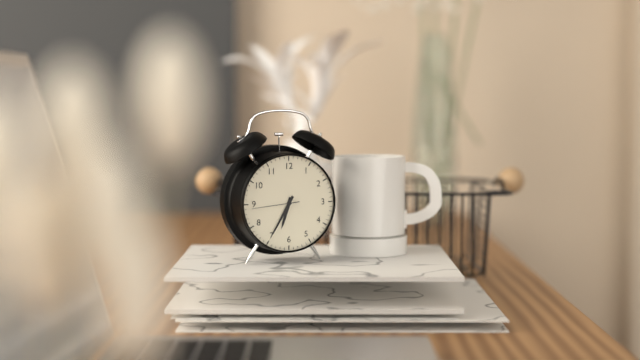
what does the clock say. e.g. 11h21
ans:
6h35
